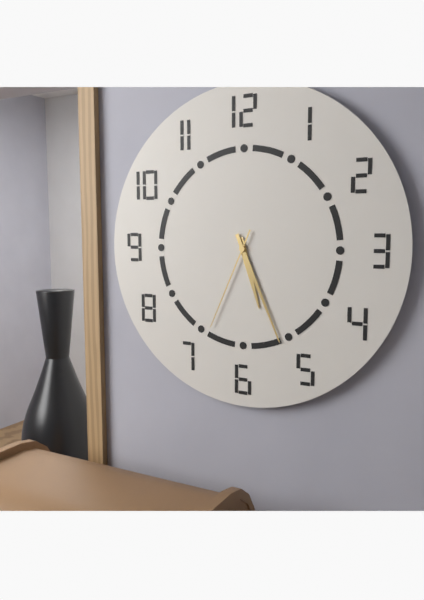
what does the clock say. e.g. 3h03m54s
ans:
5h26m34s
